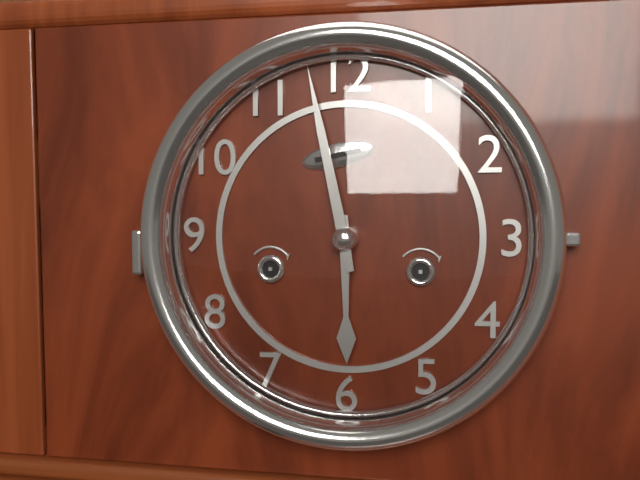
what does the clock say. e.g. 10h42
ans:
5h58
